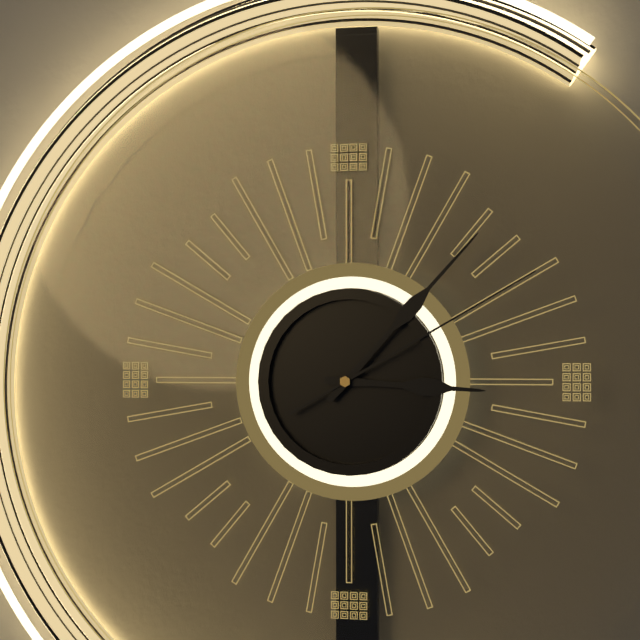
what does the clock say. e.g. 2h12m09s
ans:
3h07m10s
